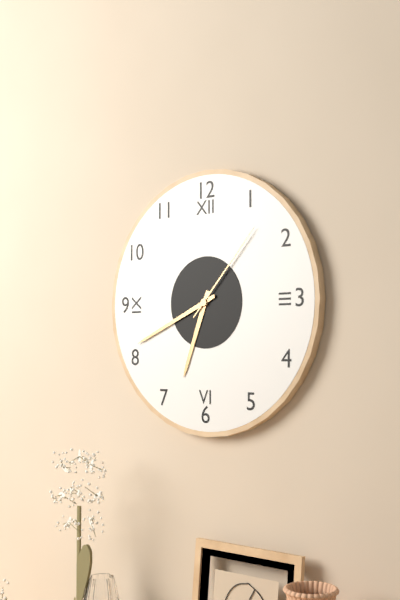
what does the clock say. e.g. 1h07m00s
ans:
6h41m07s
